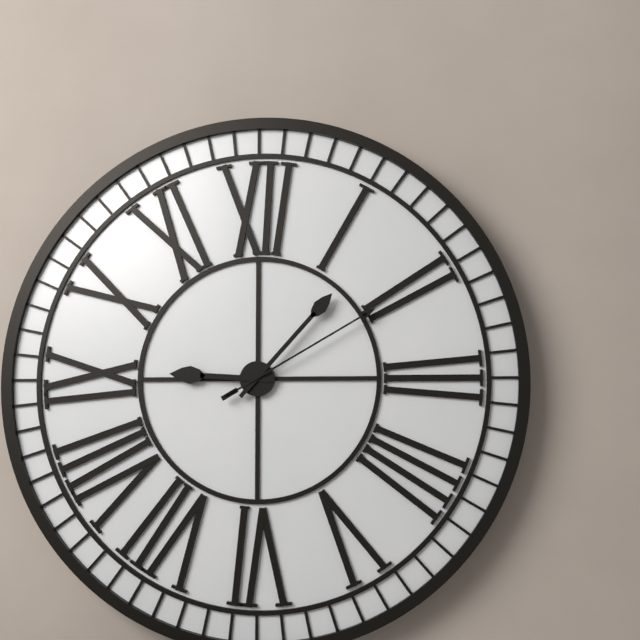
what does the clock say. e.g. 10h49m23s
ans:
9h07m10s
